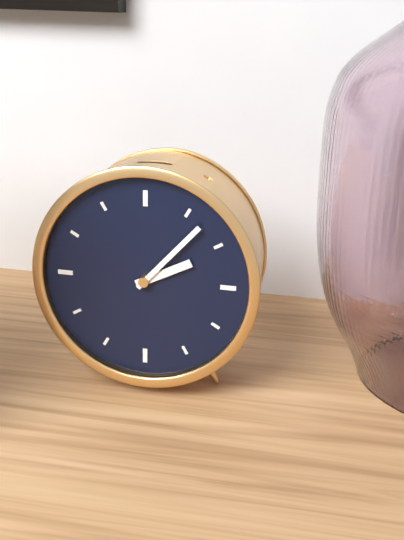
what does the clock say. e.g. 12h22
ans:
2h07
